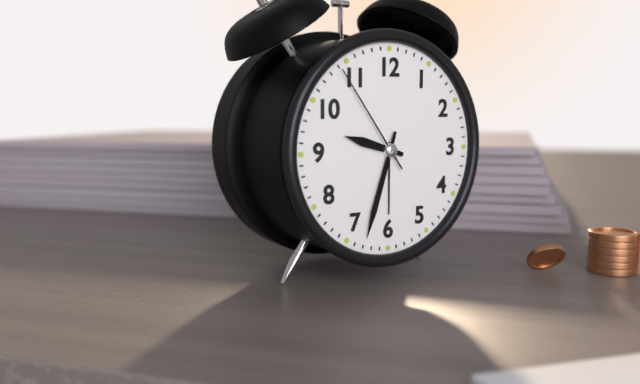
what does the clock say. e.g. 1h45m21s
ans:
9h33m54s
